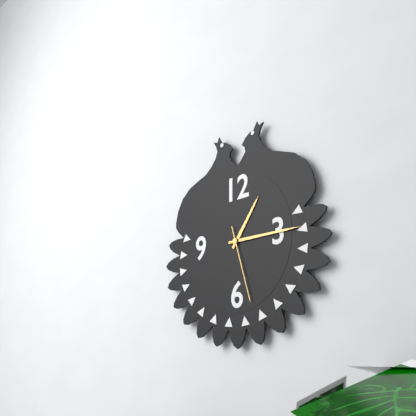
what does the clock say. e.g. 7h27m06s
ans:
1h15m27s
